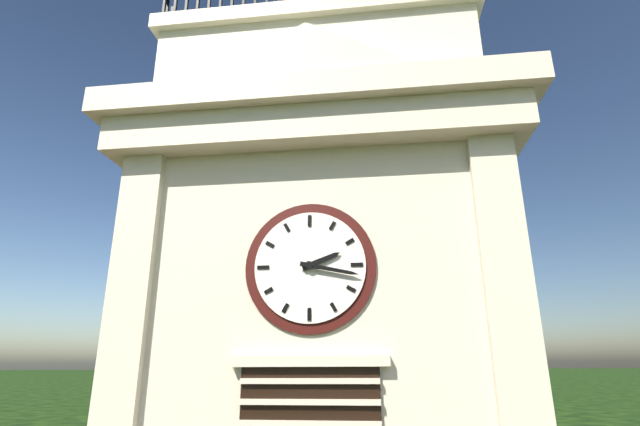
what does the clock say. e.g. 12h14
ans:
2h17
